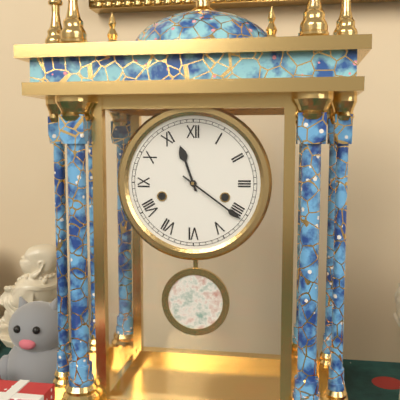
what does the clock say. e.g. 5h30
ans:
11h21
